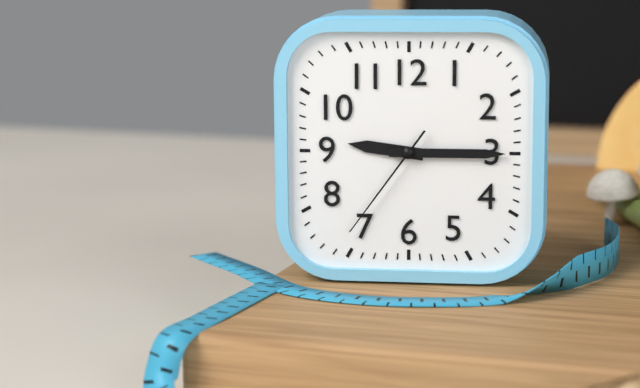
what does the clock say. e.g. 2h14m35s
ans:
9h15m36s
